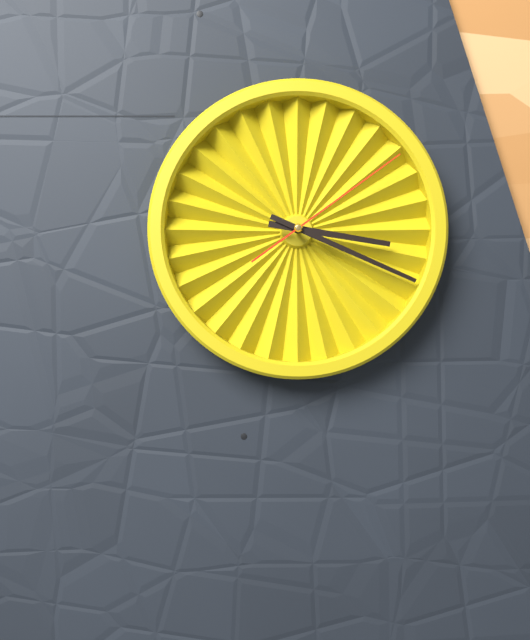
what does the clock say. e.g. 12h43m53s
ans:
3h19m09s
